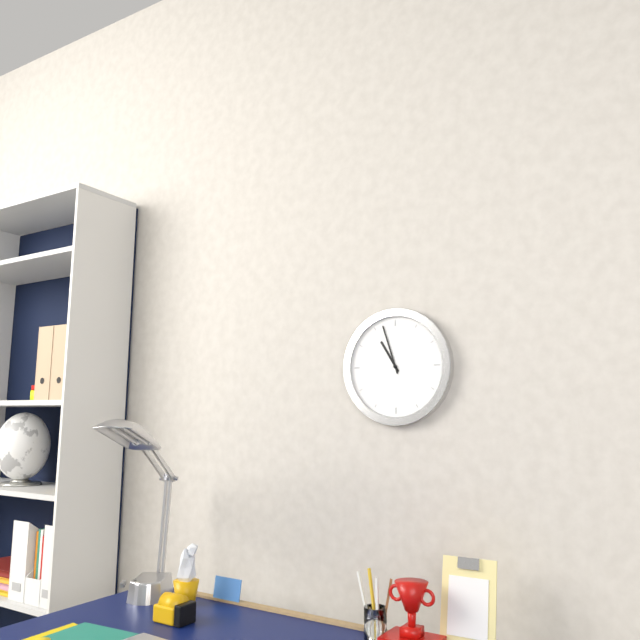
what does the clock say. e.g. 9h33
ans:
10h57
